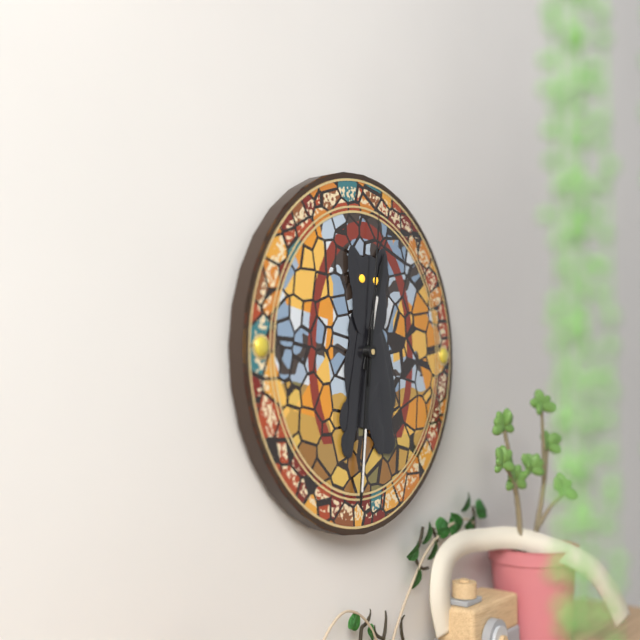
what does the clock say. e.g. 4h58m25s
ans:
12h31m01s
